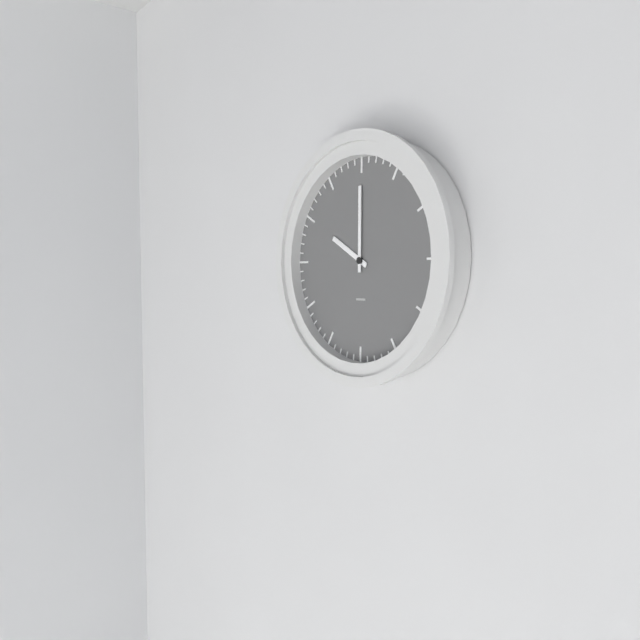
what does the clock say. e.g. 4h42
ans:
10h00
